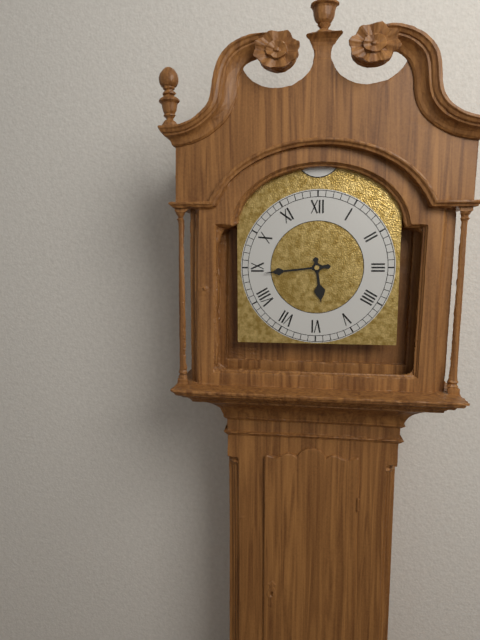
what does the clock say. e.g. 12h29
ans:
5h44
